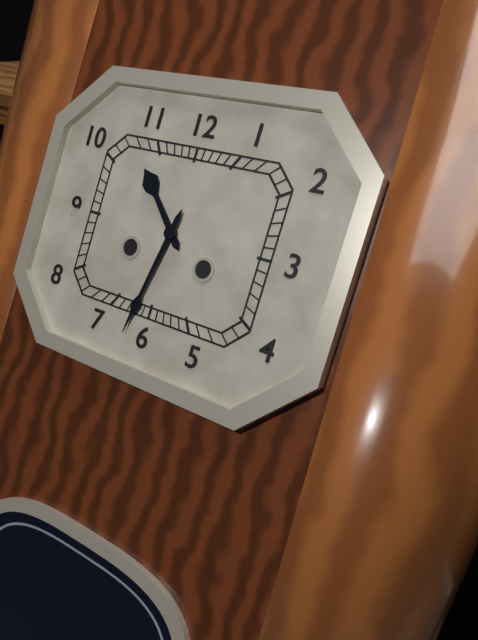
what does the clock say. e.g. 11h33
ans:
10h32
